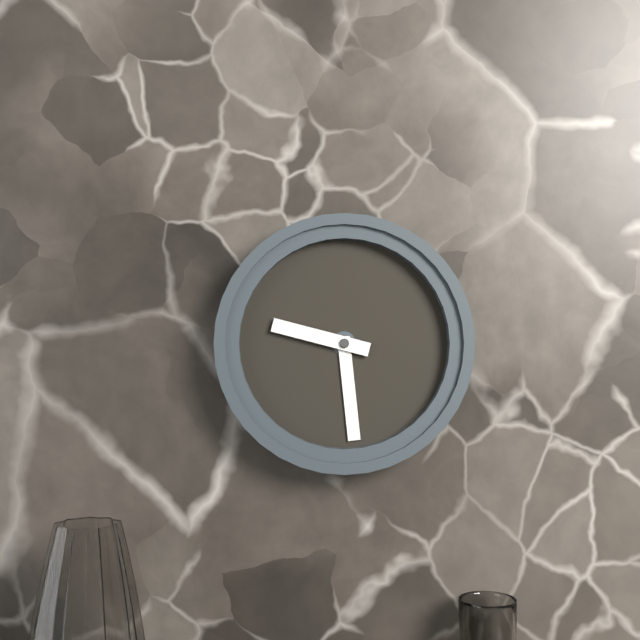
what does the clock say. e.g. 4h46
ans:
9h29
